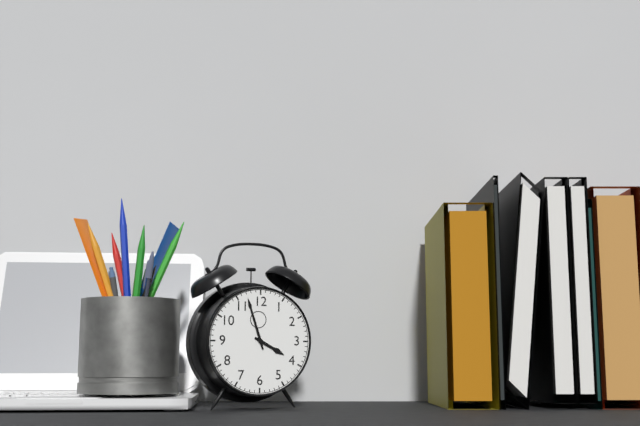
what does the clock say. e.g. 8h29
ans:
3h57
